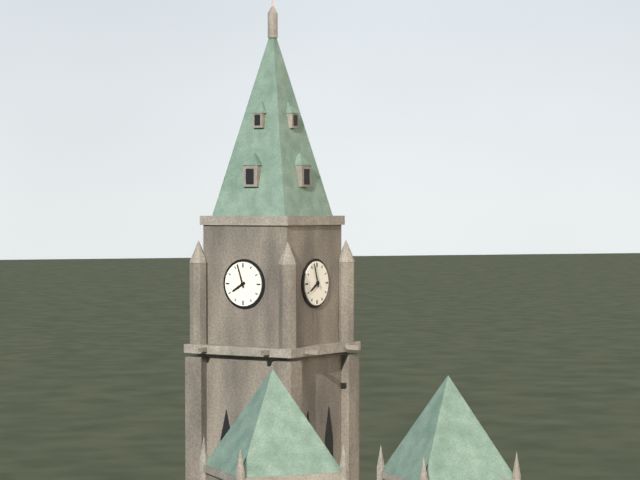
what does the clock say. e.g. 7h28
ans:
7h57
